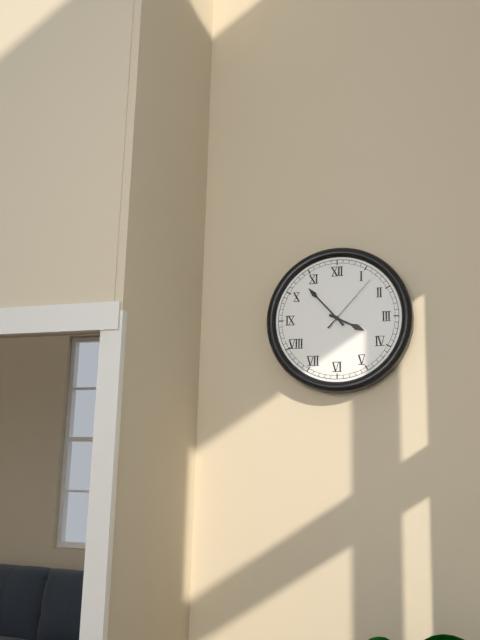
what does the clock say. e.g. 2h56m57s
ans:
3h53m07s
